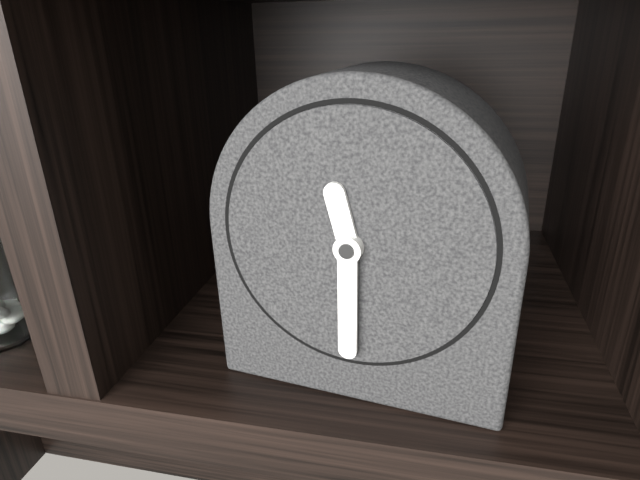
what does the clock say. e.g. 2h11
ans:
11h30
